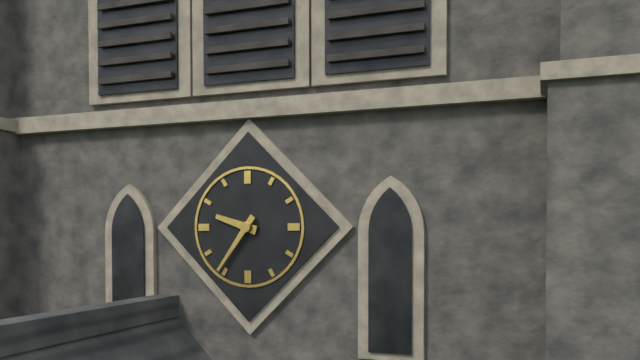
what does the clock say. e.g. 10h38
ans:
9h36
